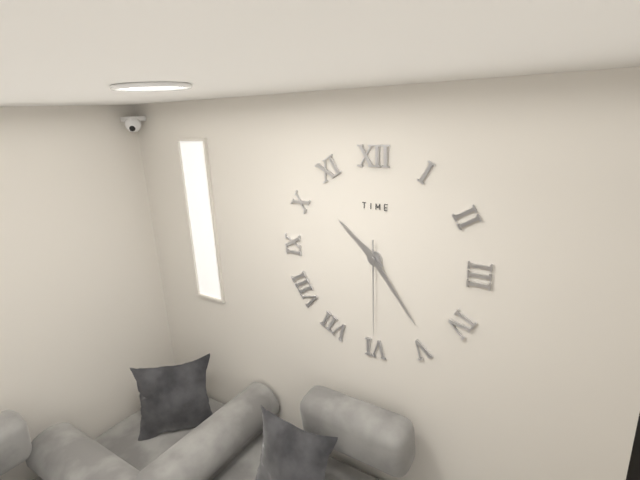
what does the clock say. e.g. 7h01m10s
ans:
10h24m30s
